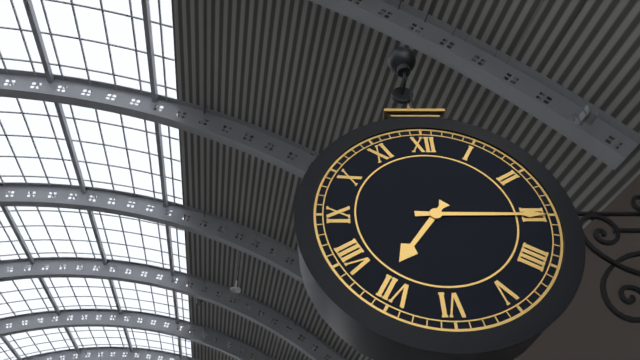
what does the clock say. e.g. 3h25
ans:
7h15
